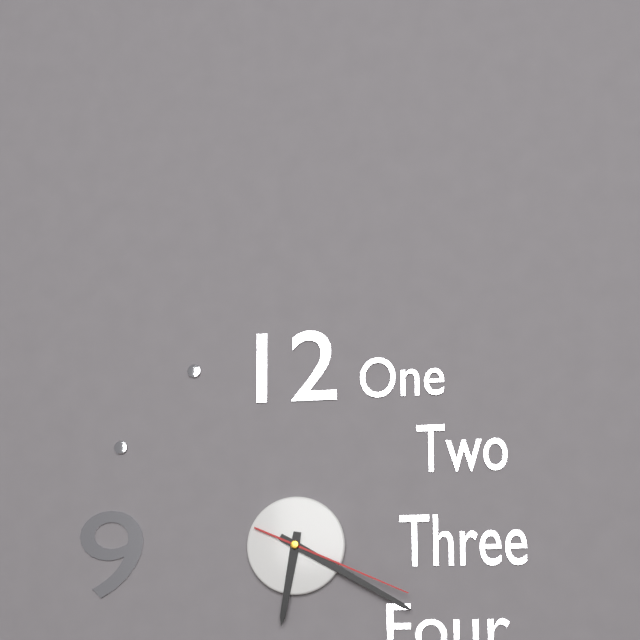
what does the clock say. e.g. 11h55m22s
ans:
6h20m19s
